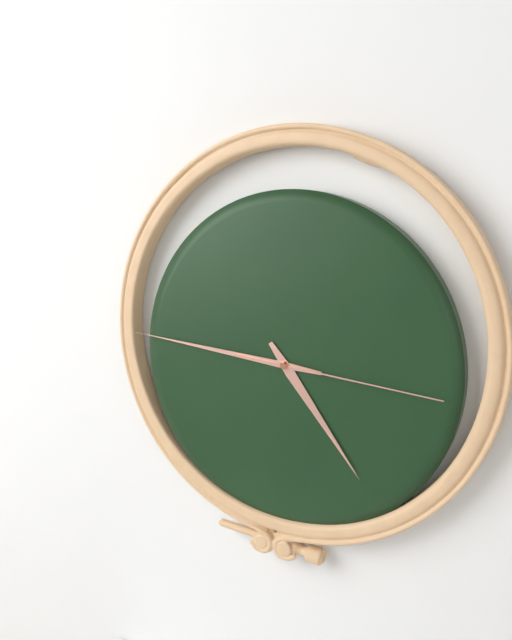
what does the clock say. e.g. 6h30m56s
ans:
4h46m16s
